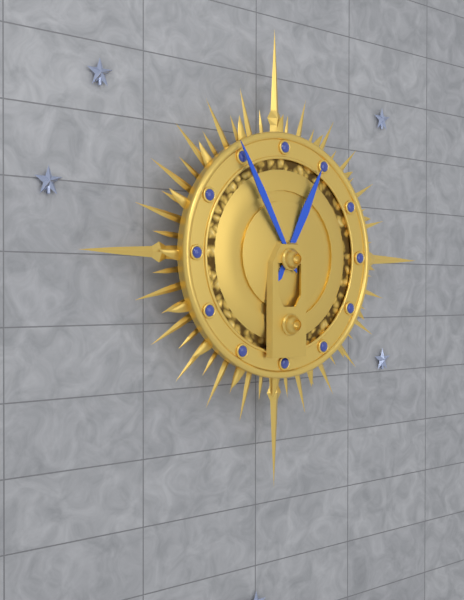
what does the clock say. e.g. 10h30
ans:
12h55
